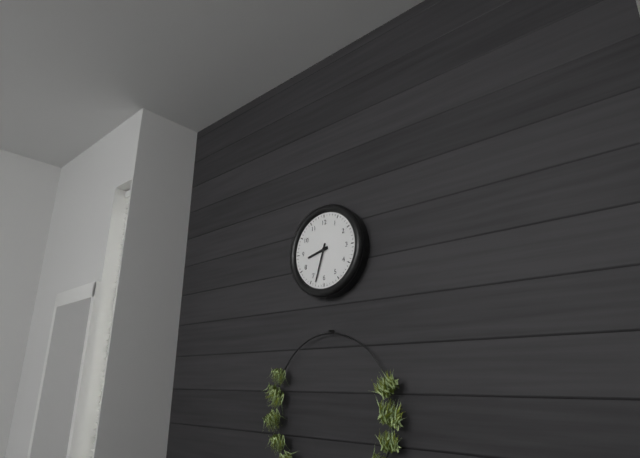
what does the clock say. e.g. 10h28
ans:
8h33
